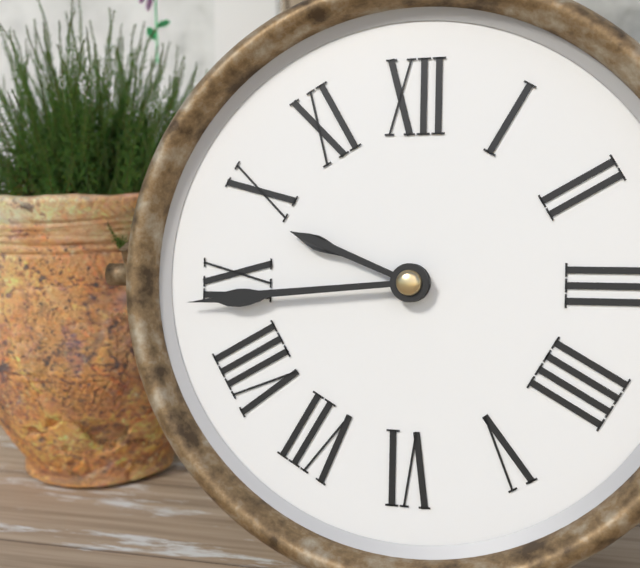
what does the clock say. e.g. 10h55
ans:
9h44
